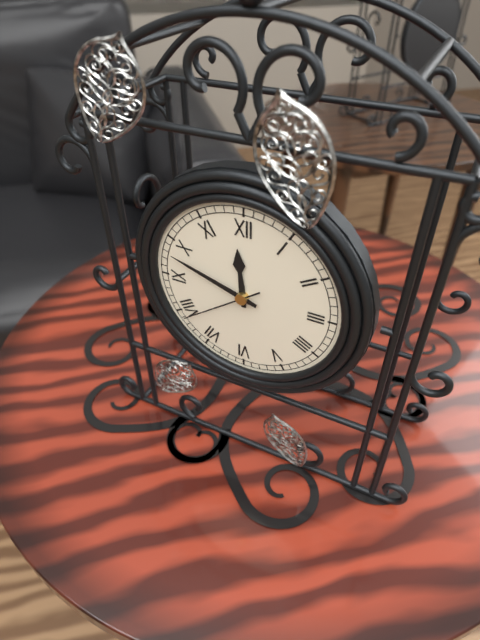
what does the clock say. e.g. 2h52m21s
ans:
11h48m39s
